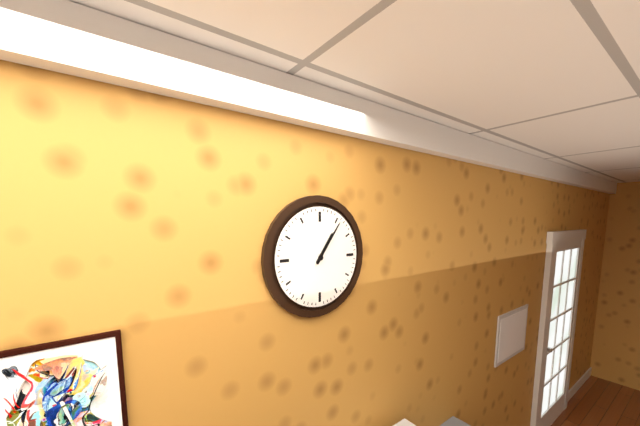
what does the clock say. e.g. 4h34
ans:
1h06
